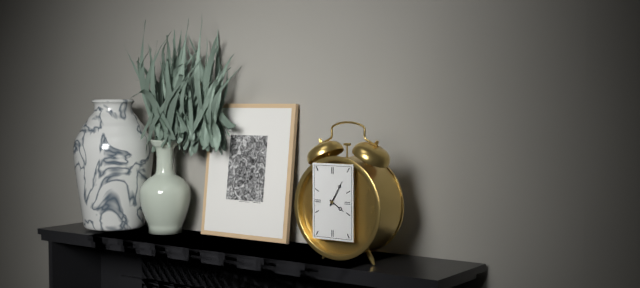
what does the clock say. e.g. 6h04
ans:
4h05
